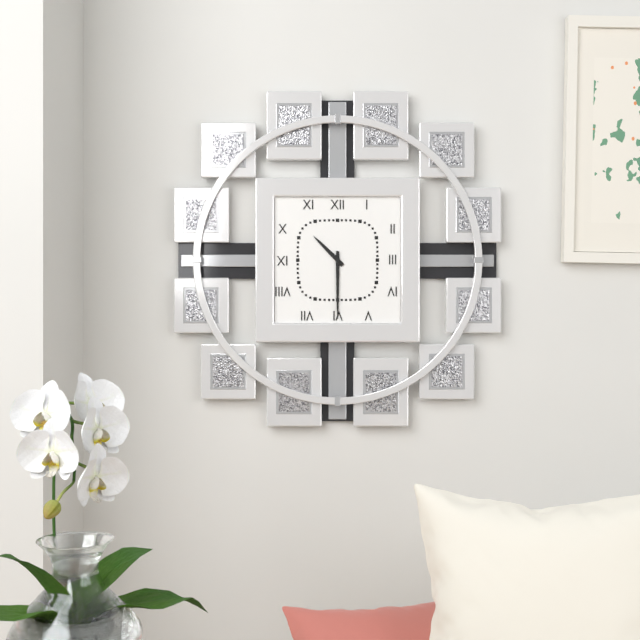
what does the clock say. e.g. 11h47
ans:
10h30
